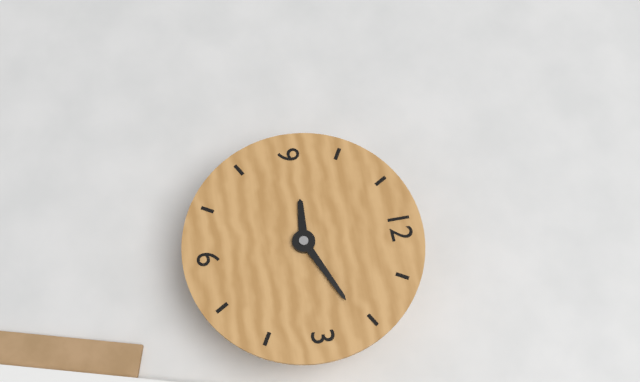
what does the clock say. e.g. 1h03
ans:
9h11
